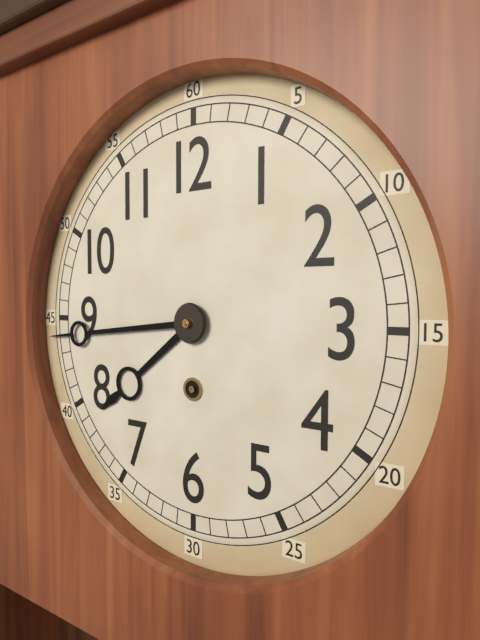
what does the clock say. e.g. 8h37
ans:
7h44
